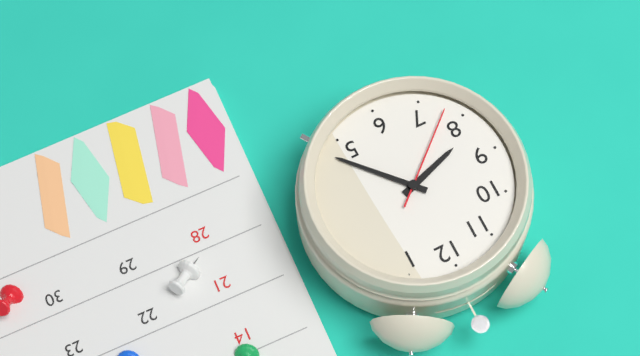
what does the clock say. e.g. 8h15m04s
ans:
8h23m38s
